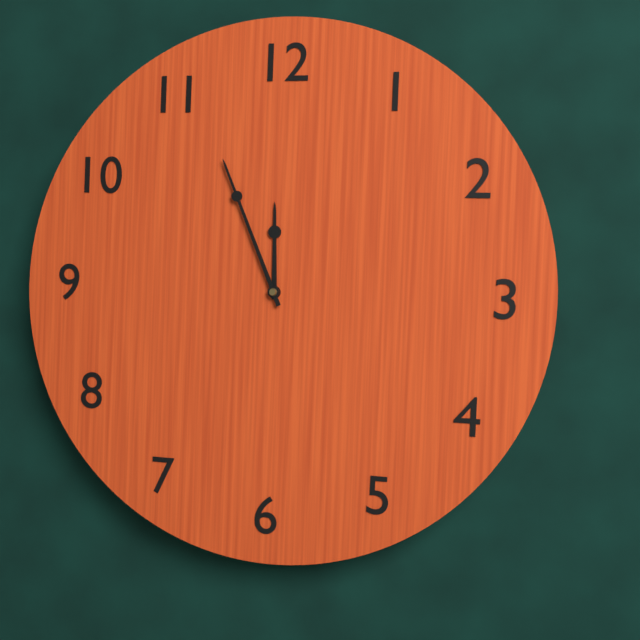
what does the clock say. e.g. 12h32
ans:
11h56
